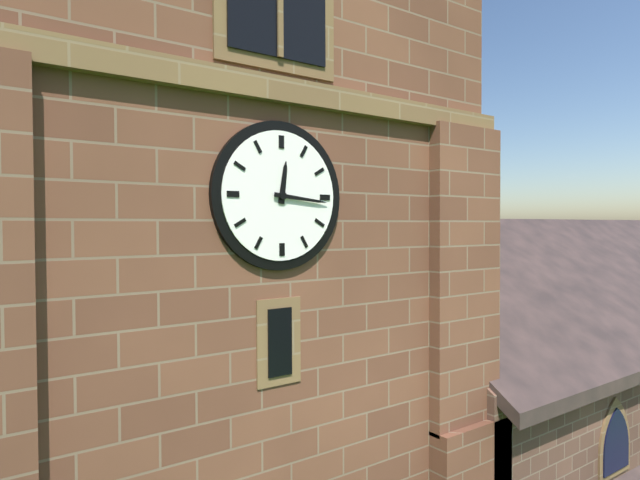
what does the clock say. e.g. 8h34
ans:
12h16
